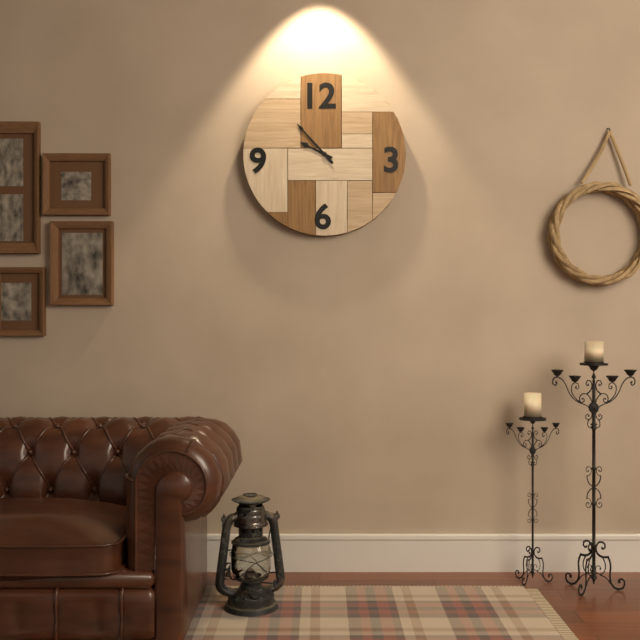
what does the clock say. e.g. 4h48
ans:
9h53
